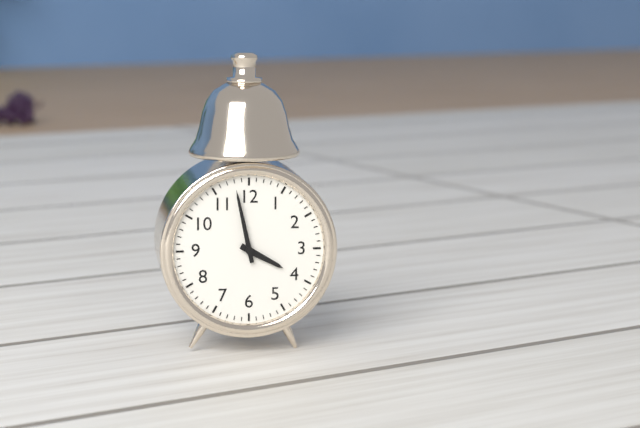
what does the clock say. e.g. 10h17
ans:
3h58
